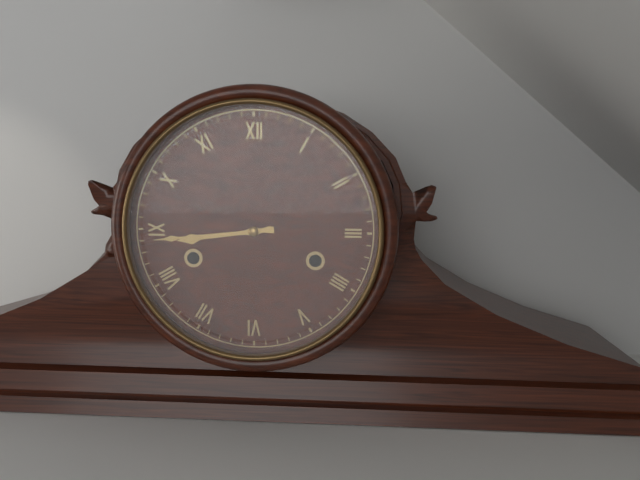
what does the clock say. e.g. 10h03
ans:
8h44
